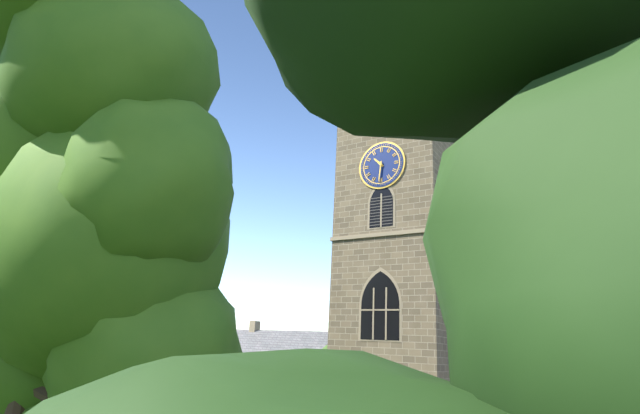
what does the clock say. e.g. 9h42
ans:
10h31
